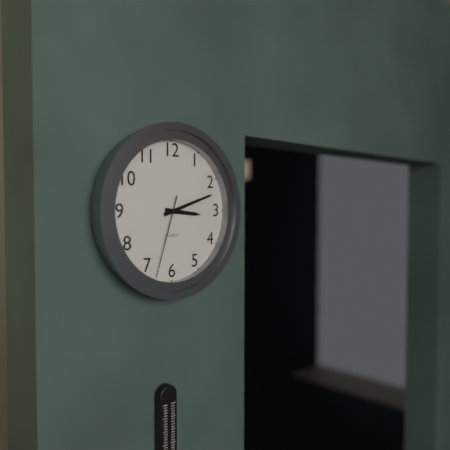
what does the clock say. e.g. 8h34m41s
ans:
3h12m33s
